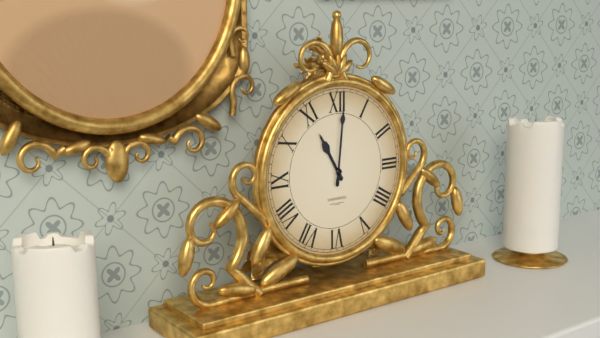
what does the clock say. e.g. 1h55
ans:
11h01
